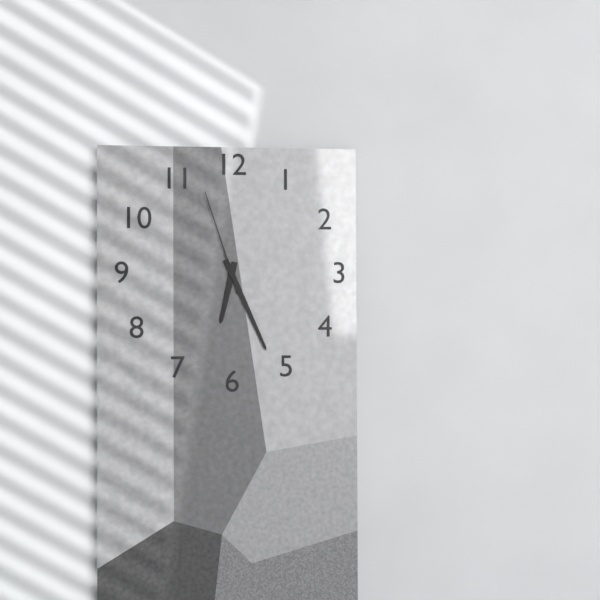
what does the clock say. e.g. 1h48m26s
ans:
6h26m57s
